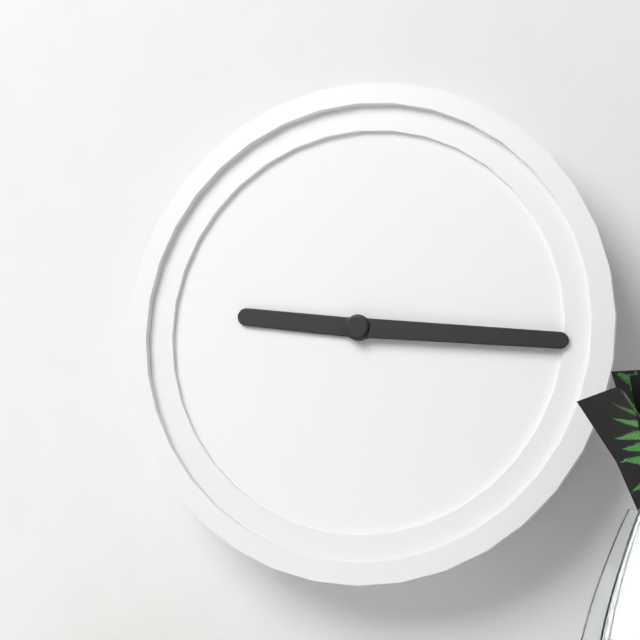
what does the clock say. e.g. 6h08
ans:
9h16
